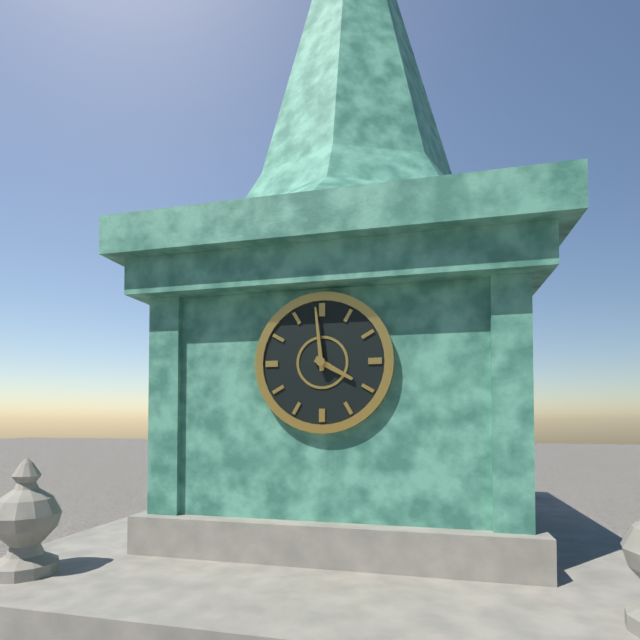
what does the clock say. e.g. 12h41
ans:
3h59
